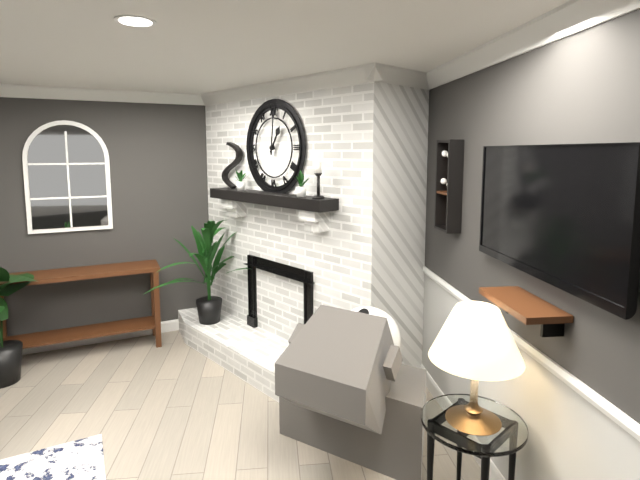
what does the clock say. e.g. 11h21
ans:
1h01
